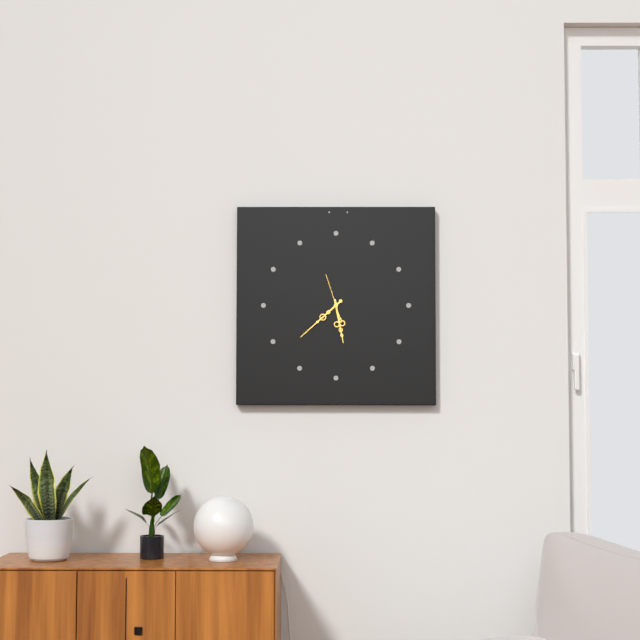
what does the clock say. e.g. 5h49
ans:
5h38
